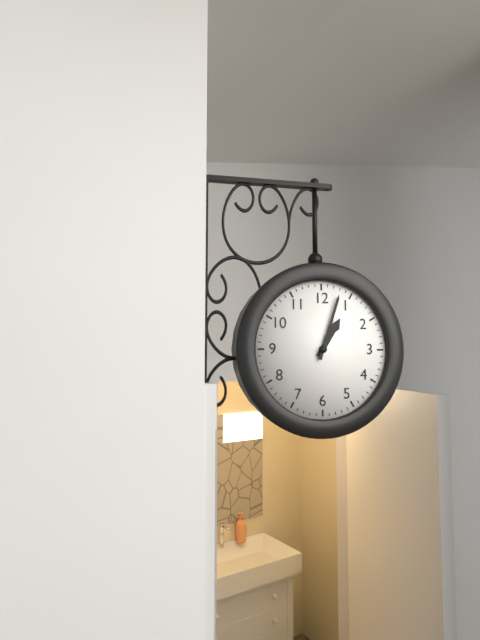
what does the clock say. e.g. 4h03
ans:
1h03
